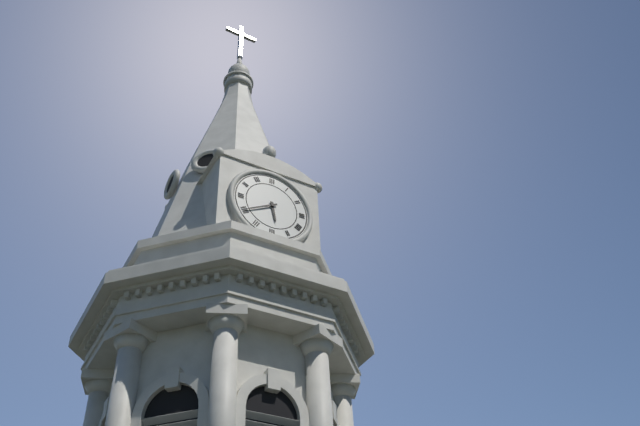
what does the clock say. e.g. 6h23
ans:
5h40
